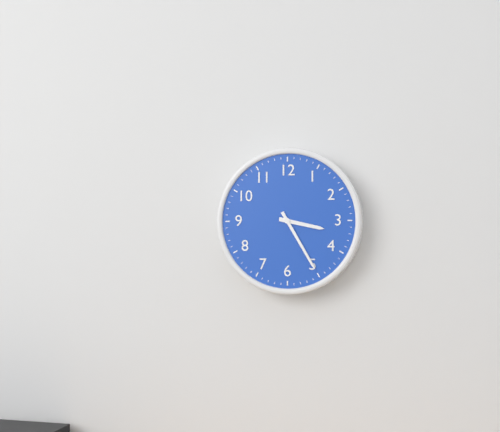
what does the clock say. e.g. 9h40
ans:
3h25
